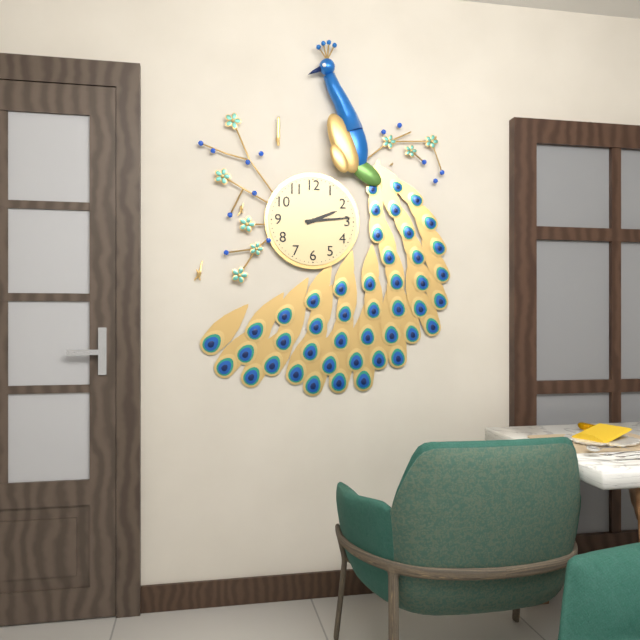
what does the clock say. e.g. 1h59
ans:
2h14
